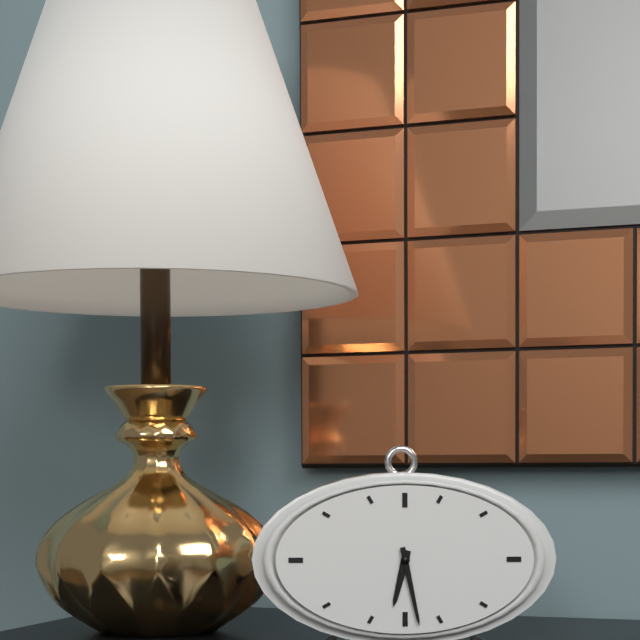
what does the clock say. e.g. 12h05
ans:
6h28
